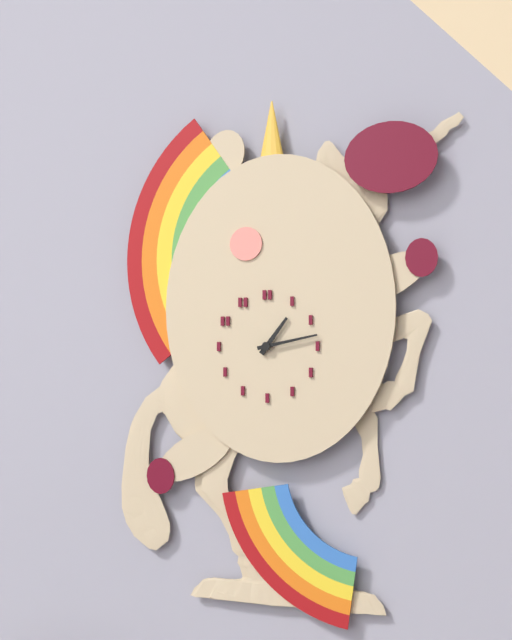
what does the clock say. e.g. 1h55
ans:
1h13
